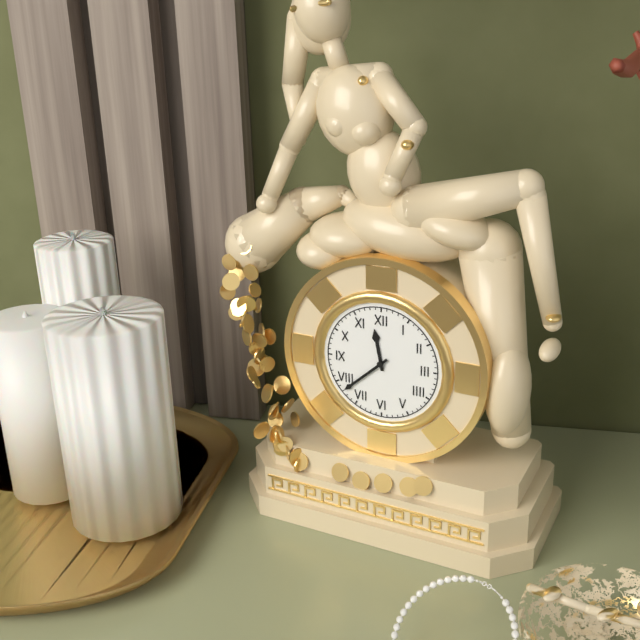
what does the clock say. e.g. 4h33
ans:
11h38
